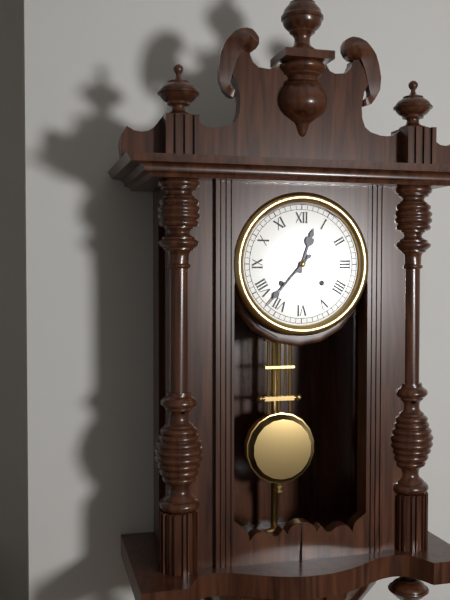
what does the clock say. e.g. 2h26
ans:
12h37
